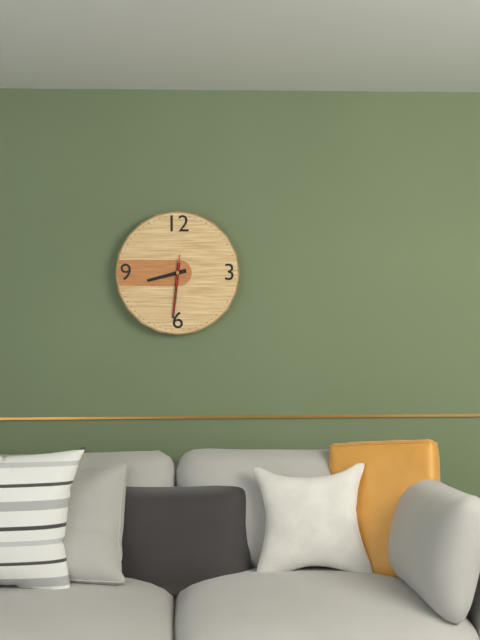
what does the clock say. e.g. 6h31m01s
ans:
8h31m31s
